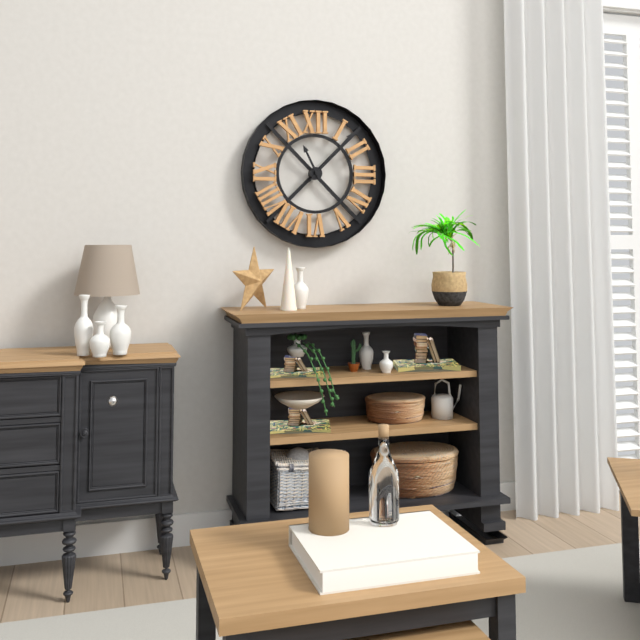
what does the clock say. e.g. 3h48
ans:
11h07
